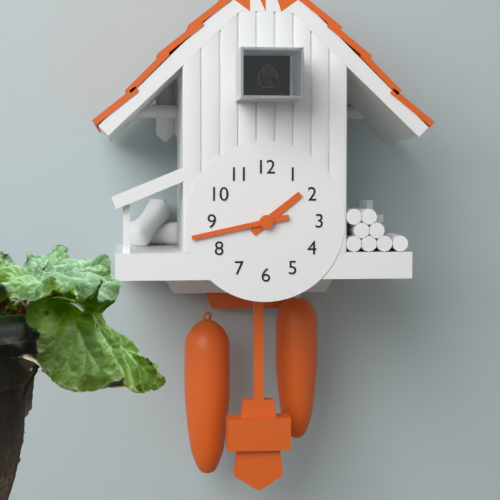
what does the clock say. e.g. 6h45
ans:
1h43
